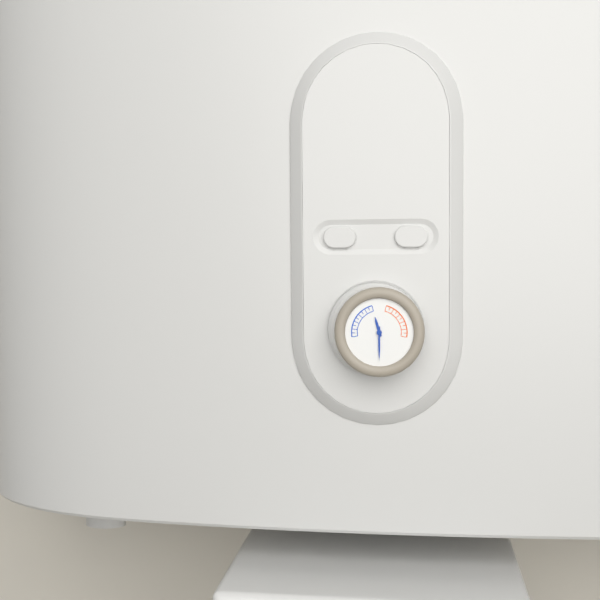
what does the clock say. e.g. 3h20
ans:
11h30
